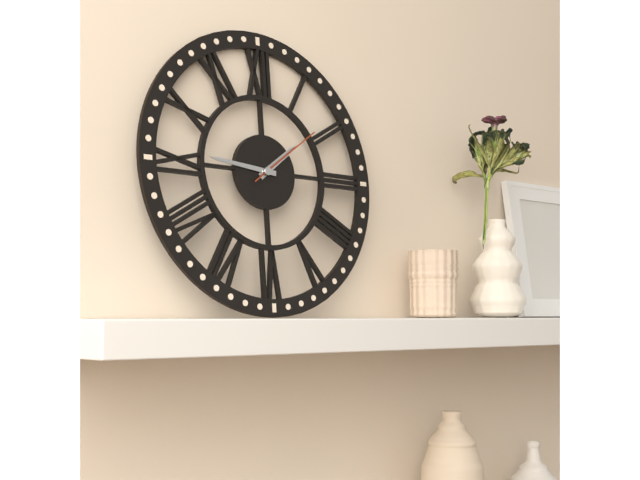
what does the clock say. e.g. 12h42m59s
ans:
1h46m09s
